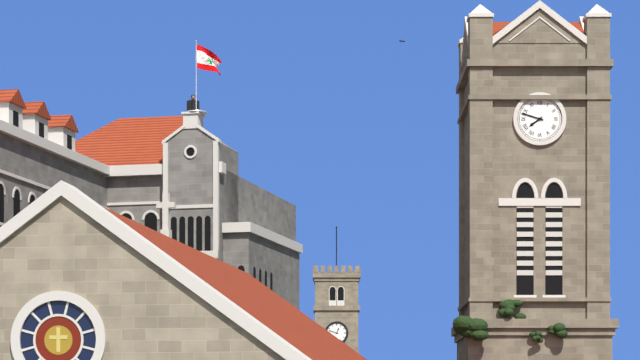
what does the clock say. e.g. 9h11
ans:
7h48
